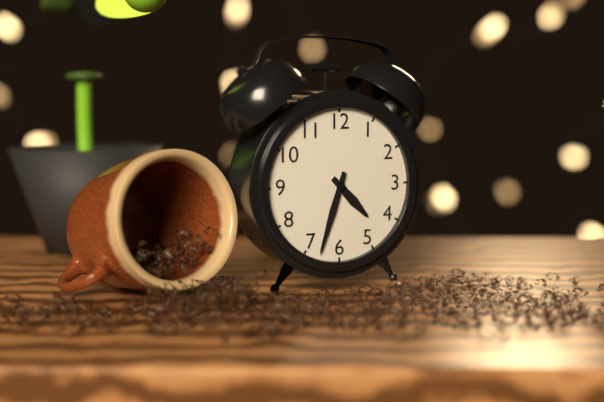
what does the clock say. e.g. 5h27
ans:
4h33
